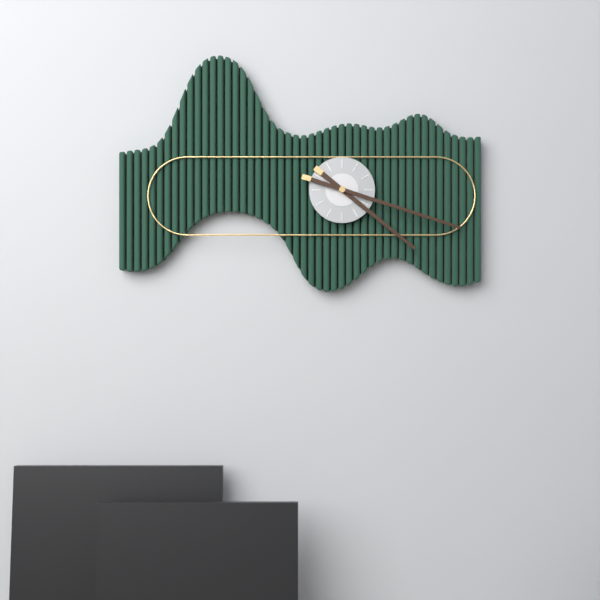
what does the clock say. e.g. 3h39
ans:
4h18
